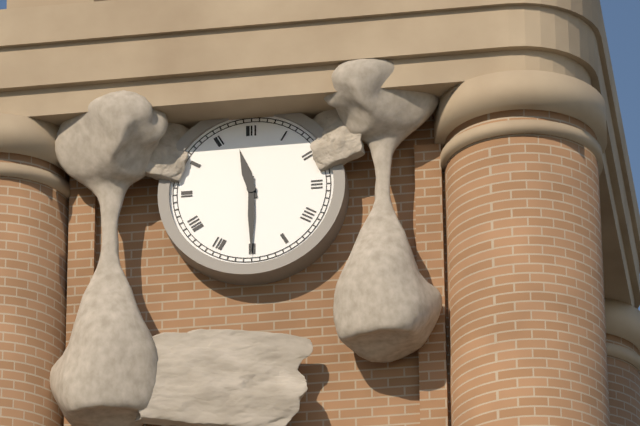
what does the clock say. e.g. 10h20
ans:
11h30
